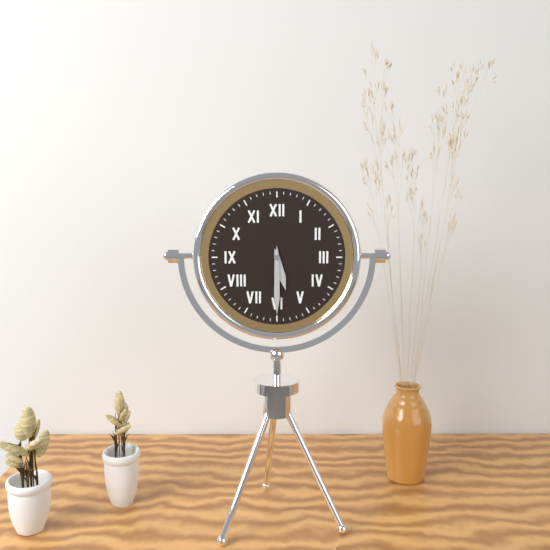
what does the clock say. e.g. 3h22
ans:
5h30
